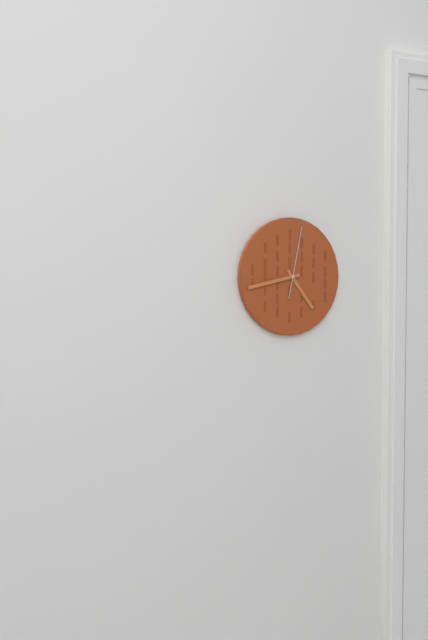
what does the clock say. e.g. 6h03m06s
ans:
4h43m02s
